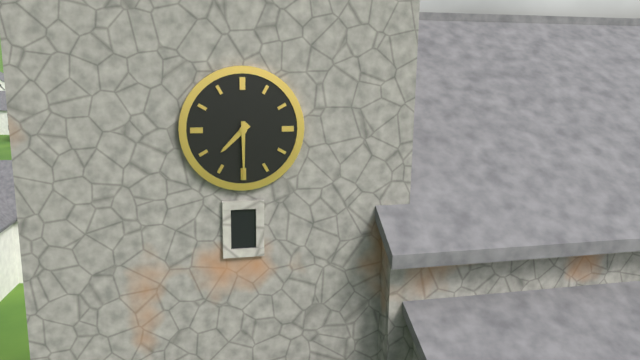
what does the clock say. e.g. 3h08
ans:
7h30
